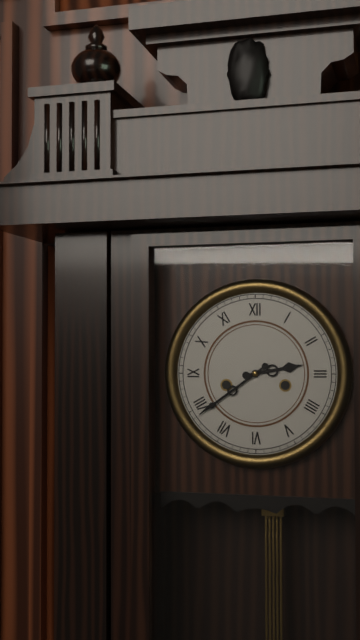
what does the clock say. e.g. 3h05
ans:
2h39
